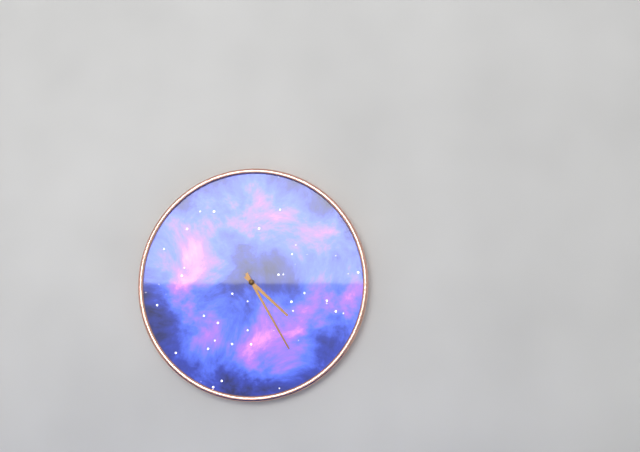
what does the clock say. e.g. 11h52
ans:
4h25
